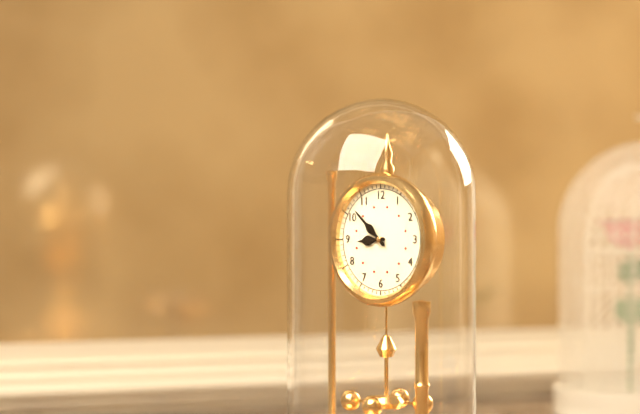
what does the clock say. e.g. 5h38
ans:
8h52
